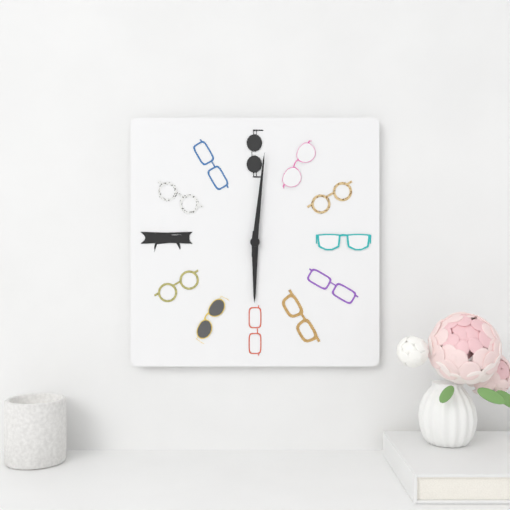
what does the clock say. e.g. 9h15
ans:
6h01
